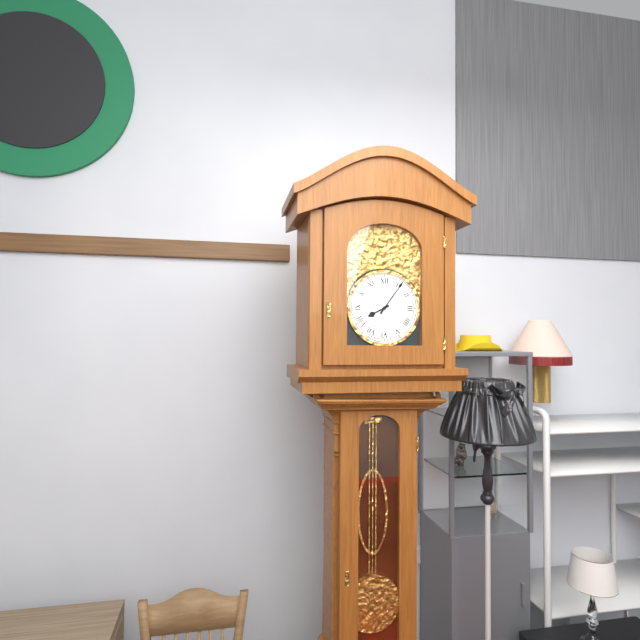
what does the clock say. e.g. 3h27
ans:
8h06
